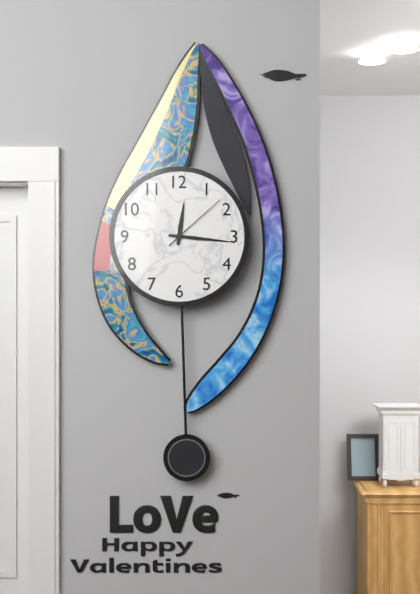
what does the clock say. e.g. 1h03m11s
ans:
12h16m08s
